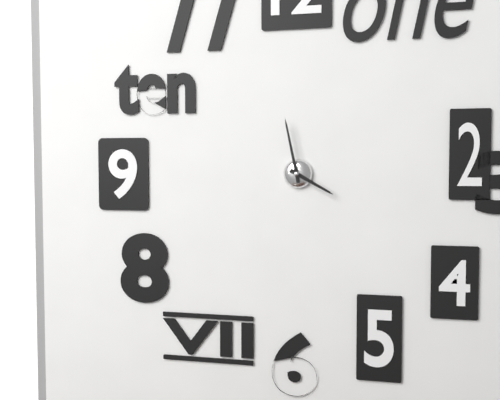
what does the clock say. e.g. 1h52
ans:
3h58
